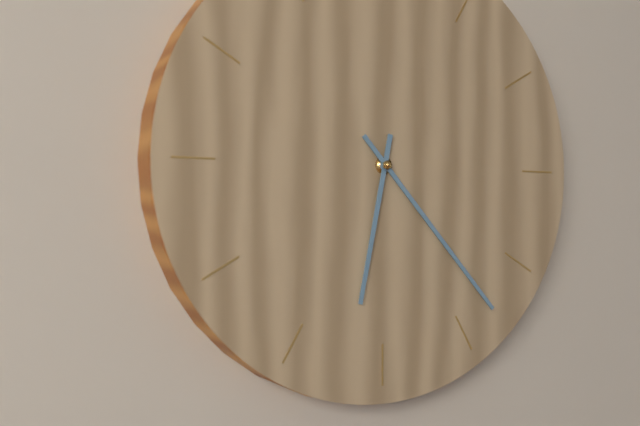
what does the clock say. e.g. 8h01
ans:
6h23
